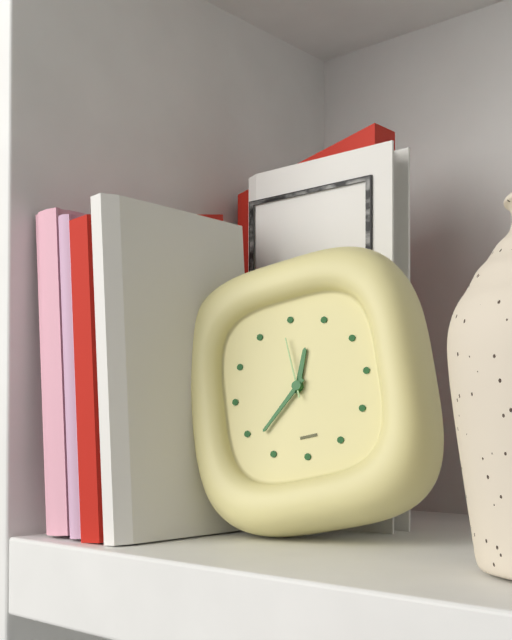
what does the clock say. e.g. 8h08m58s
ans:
12h38m59s
